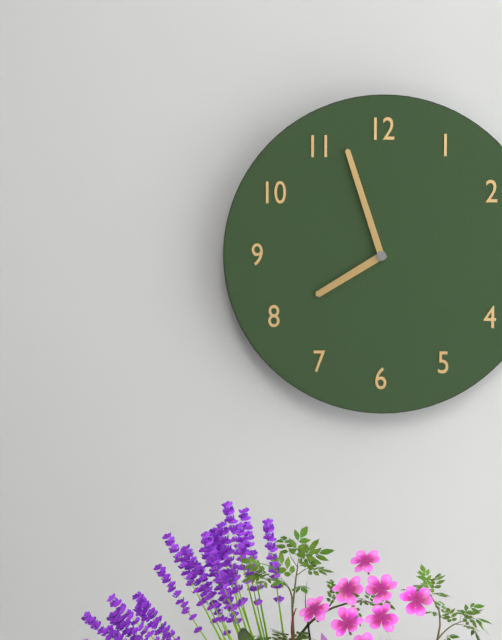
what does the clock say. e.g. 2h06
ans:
7h57
